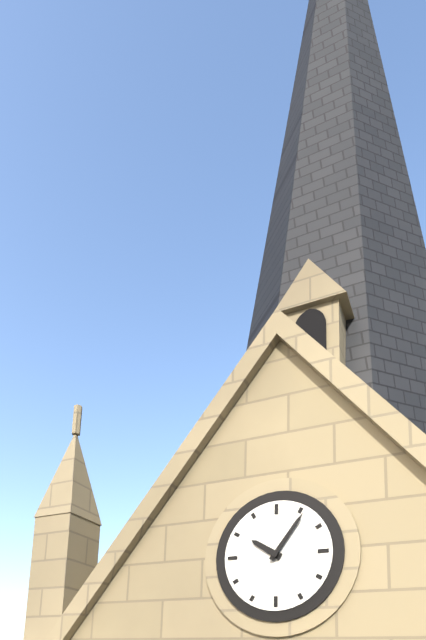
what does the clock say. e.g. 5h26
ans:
10h06
